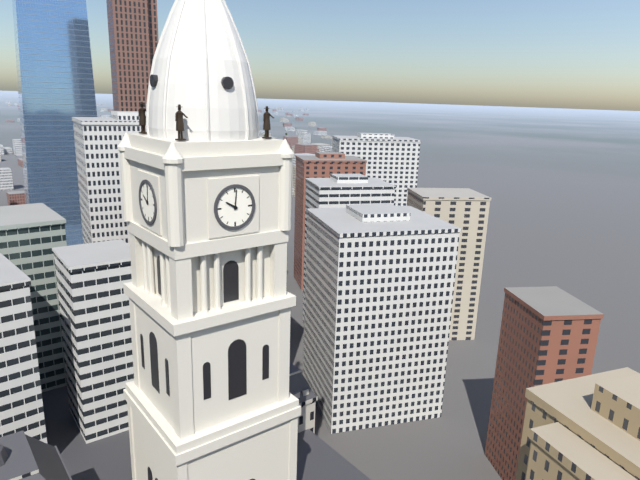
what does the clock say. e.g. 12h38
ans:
10h01
